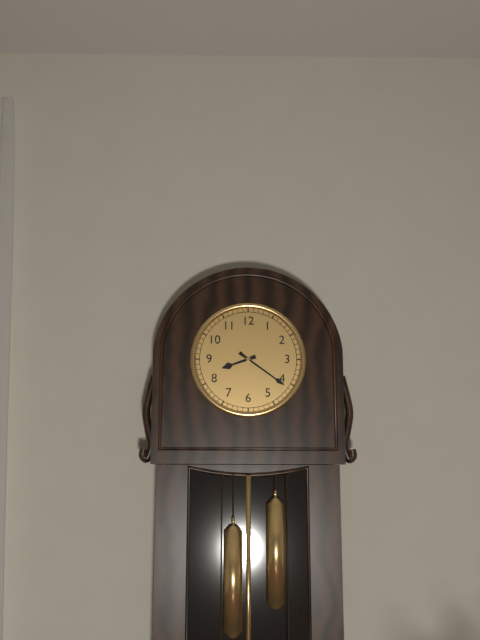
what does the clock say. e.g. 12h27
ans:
8h21
